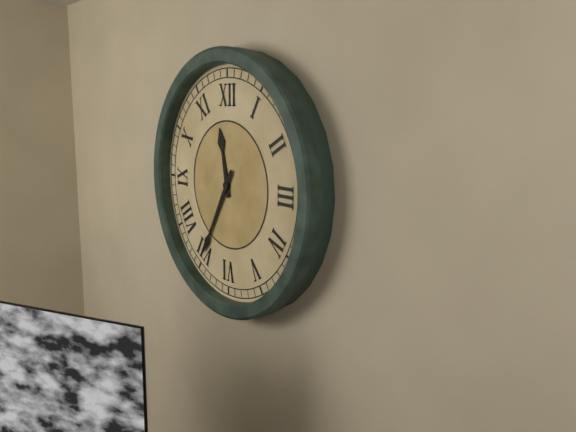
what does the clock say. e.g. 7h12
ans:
11h35
